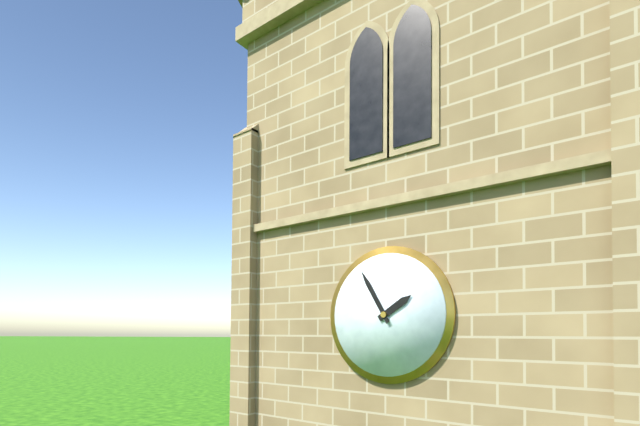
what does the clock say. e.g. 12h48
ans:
1h55
